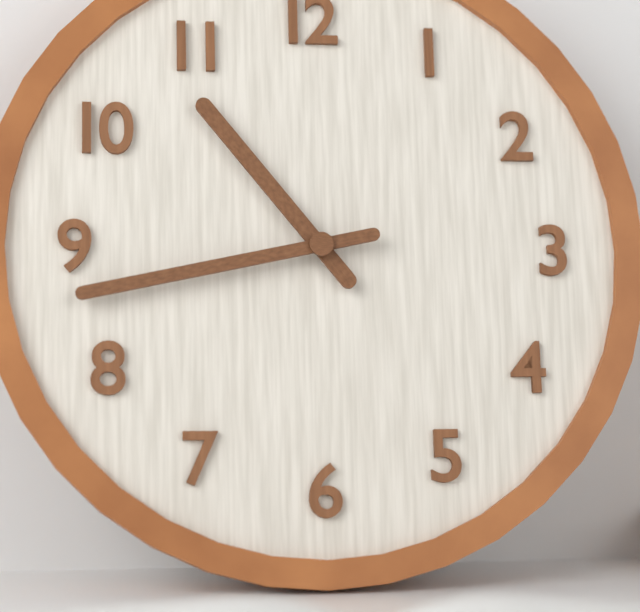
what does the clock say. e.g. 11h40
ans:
10h43
